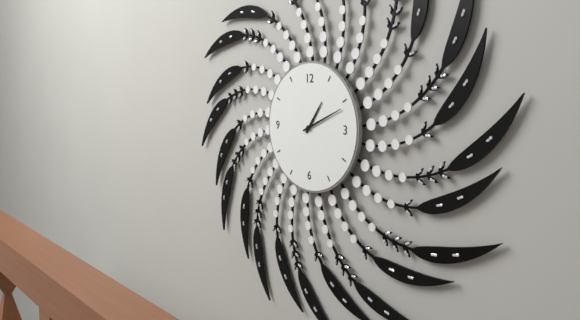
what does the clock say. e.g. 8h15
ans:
1h11
